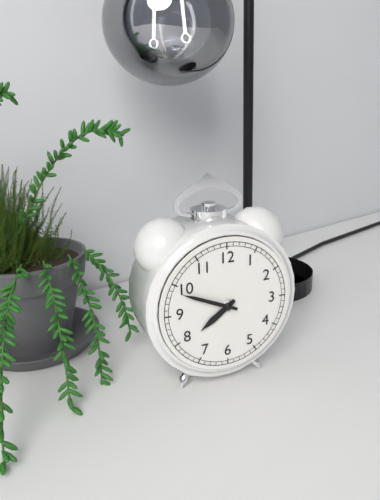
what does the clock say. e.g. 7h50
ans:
7h49
